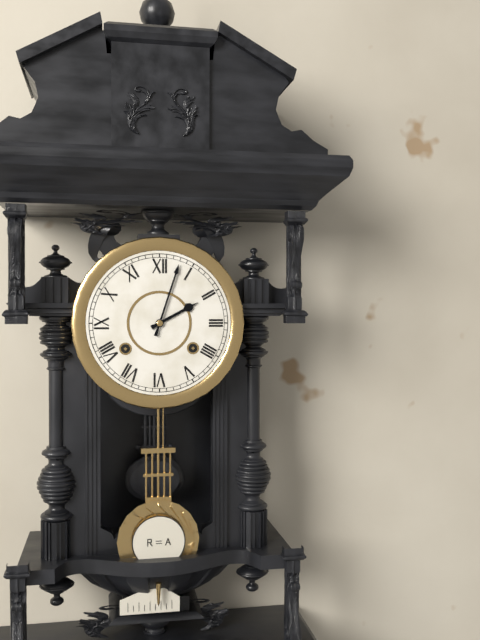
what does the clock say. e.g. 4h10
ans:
2h03
